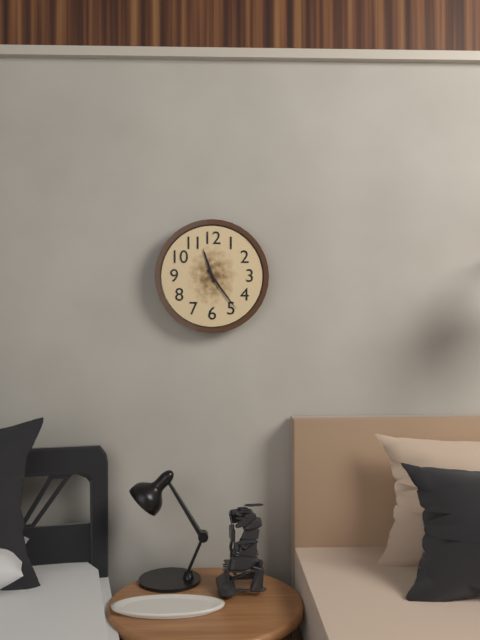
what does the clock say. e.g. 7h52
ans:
11h24
